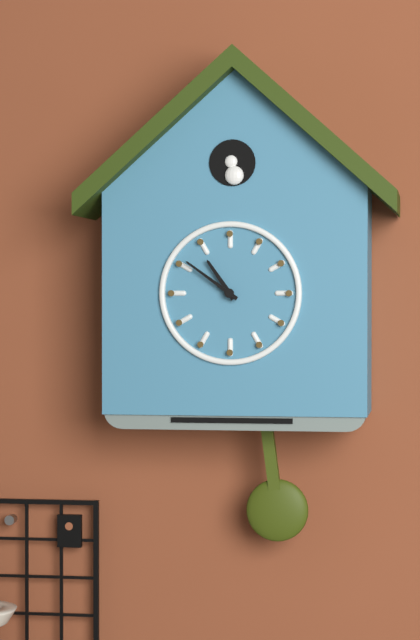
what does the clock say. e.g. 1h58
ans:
10h51
